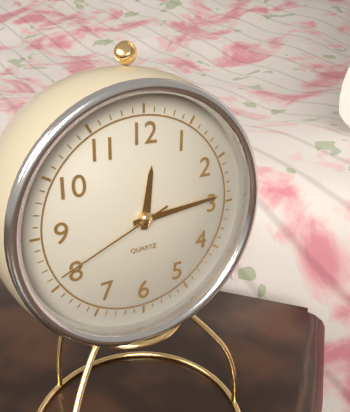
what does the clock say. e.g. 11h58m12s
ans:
12h14m41s
